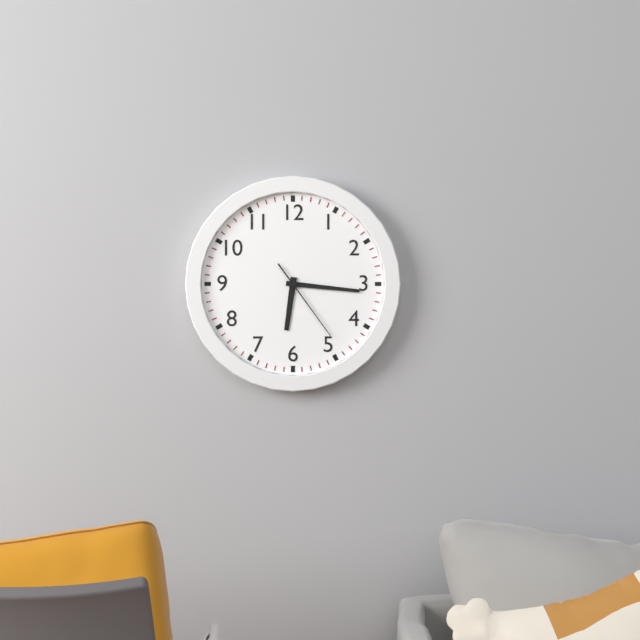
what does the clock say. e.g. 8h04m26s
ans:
6h16m24s
